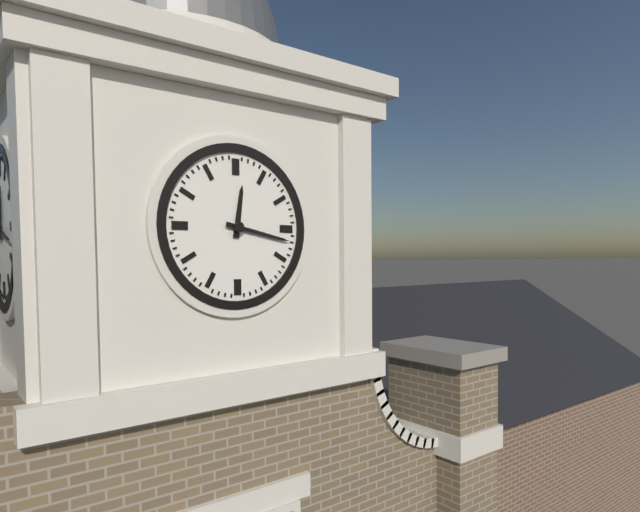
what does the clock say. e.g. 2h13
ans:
12h17
